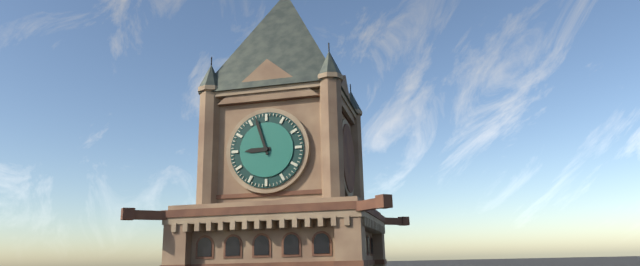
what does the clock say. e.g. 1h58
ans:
8h57
